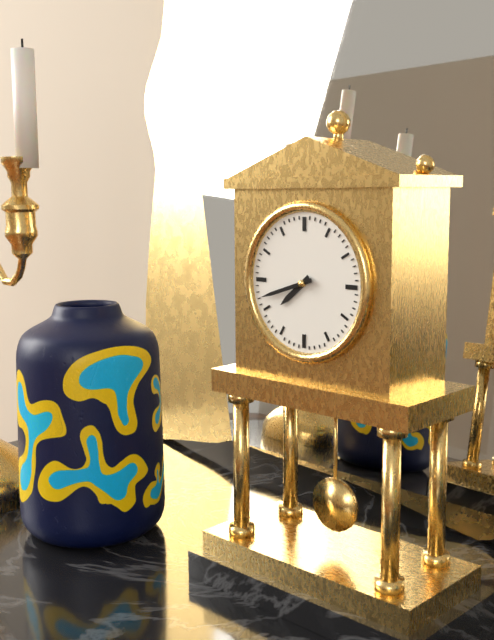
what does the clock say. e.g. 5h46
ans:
7h42
